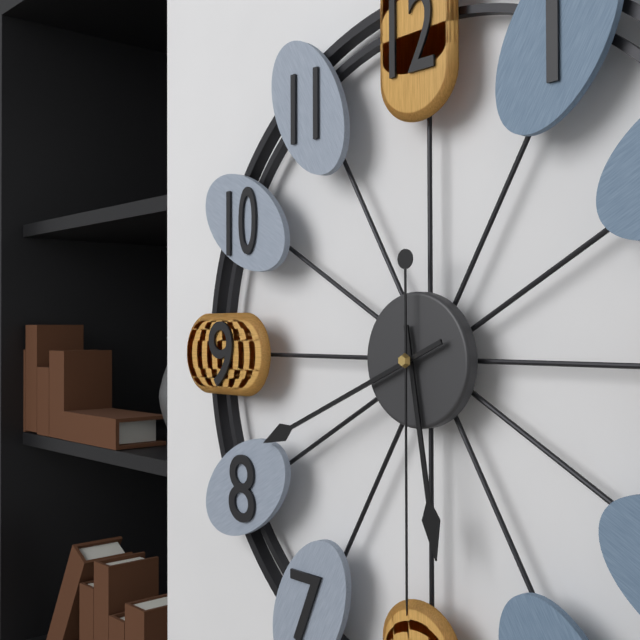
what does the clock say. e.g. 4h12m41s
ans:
5h41m30s
